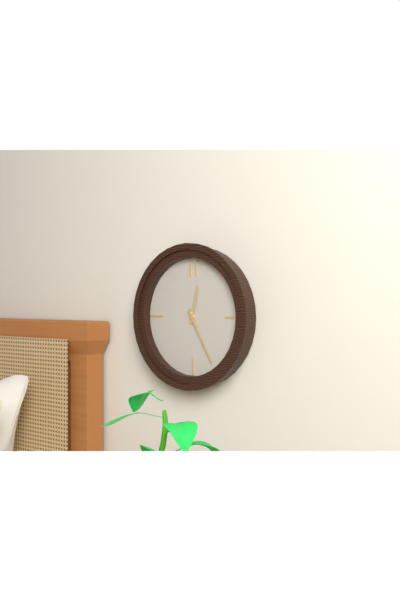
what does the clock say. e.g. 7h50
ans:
12h25
